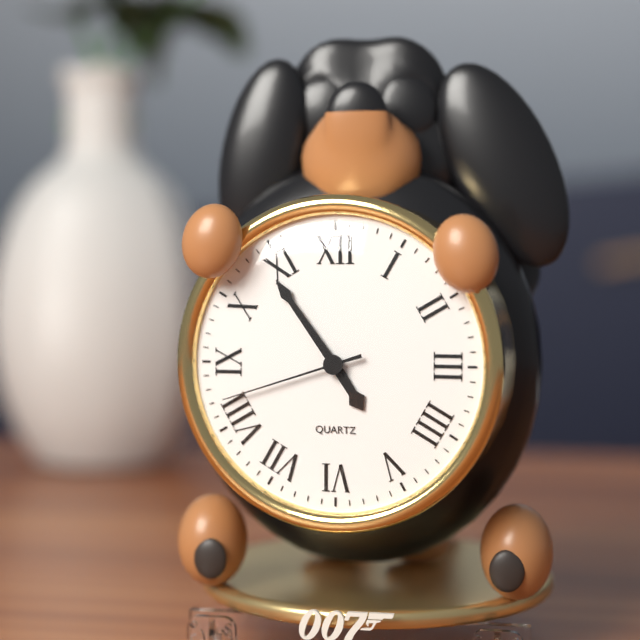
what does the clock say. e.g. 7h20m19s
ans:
4h54m42s
